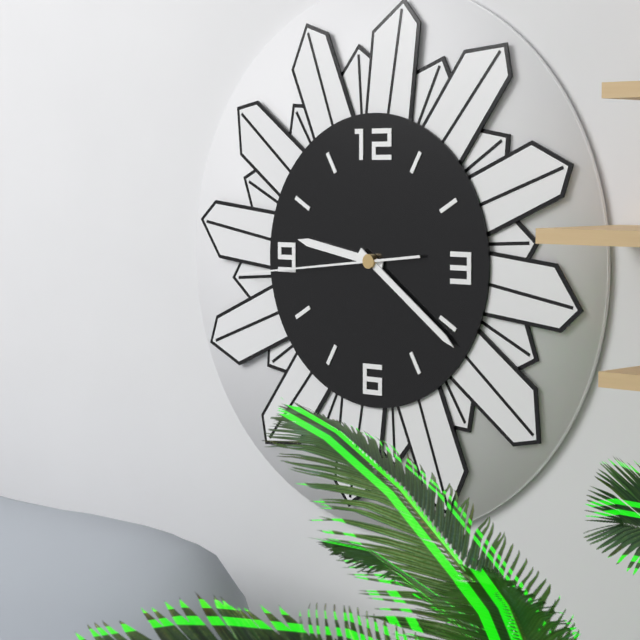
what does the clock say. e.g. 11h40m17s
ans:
9h21m44s
